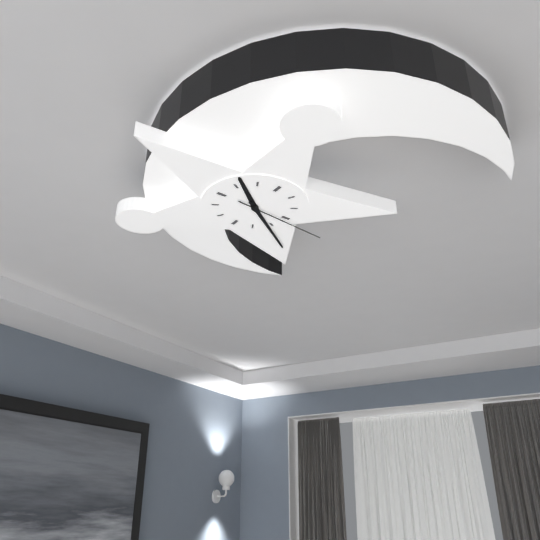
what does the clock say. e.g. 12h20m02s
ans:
10h21m16s
